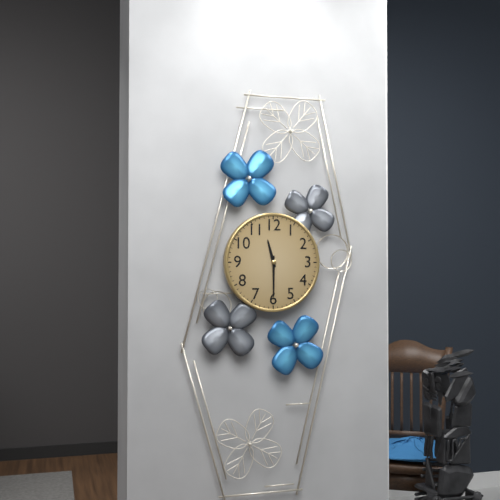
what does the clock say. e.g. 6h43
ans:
11h30
